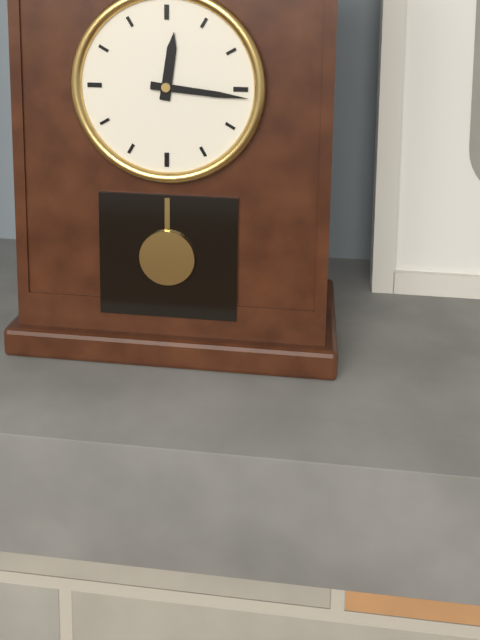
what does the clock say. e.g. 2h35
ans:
12h16
